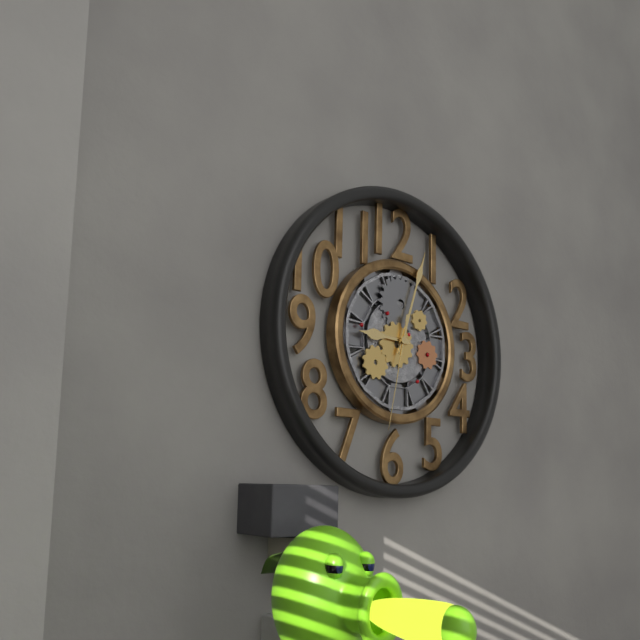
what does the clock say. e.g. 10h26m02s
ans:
9h03m32s
